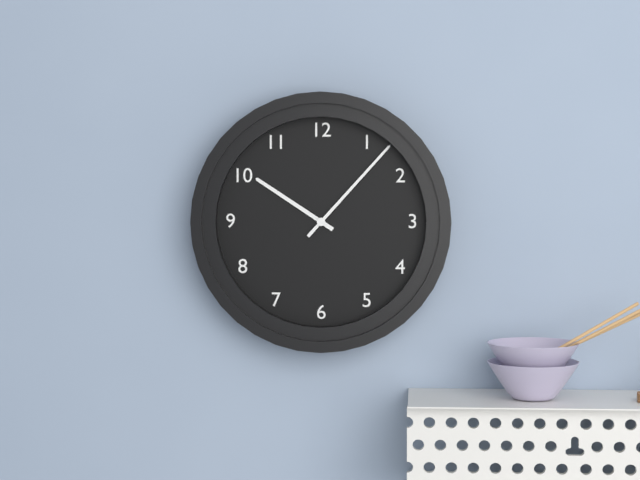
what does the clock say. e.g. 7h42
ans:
10h07
